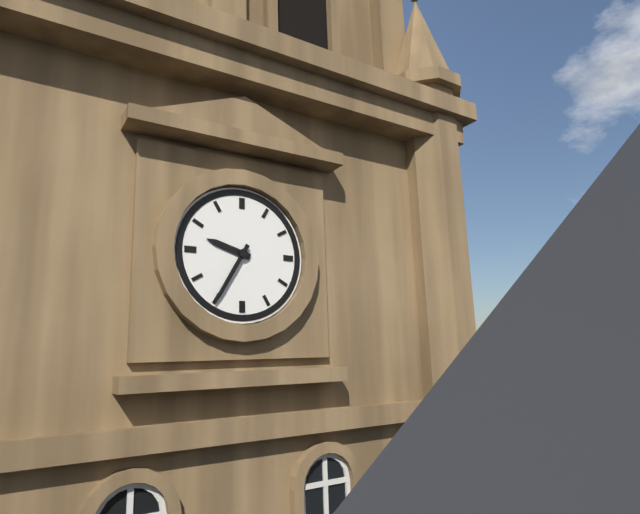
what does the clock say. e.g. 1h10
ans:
9h35
